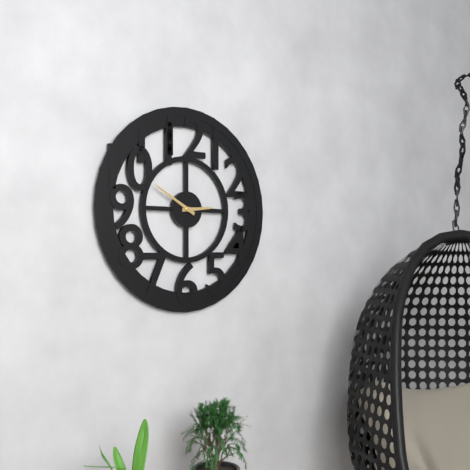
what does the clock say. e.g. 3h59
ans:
2h50
